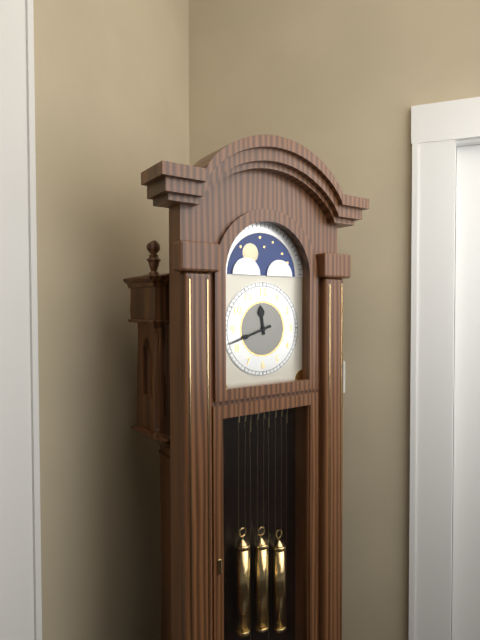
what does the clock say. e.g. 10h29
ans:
11h42
